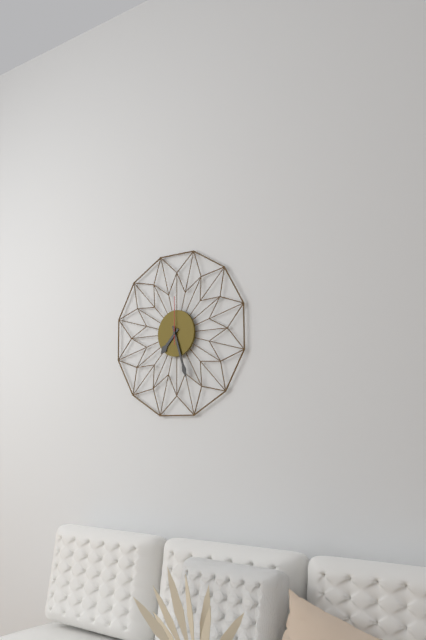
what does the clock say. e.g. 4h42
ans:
7h27
